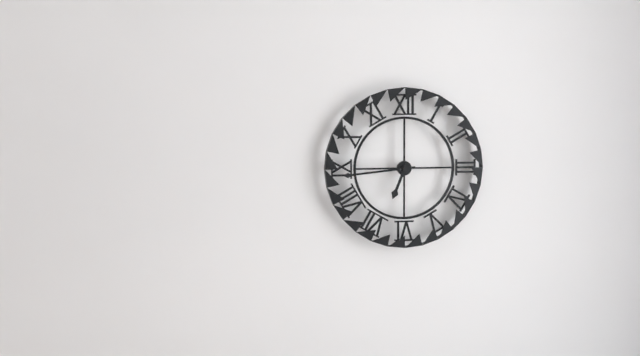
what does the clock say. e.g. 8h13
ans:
6h44
